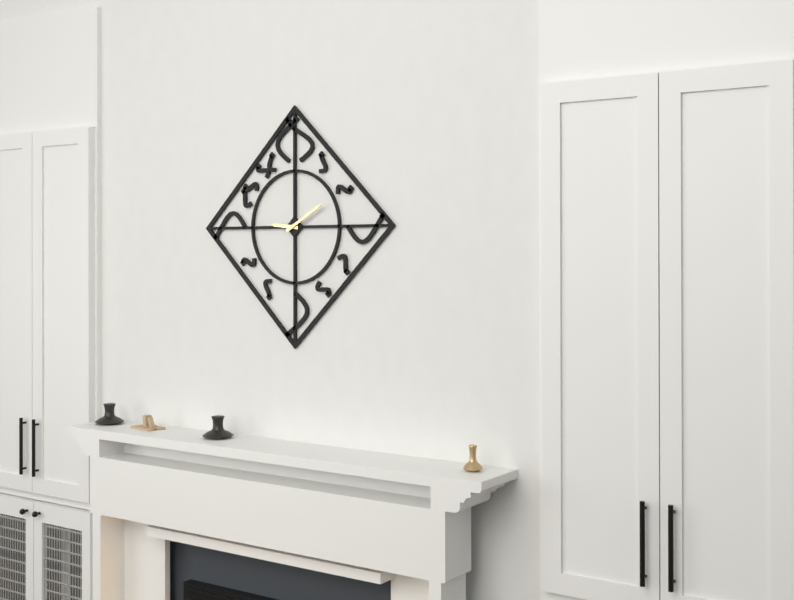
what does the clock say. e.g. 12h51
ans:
9h10
